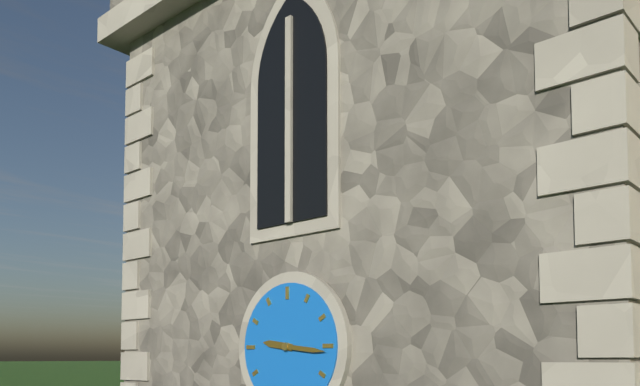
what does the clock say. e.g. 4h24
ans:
9h16
